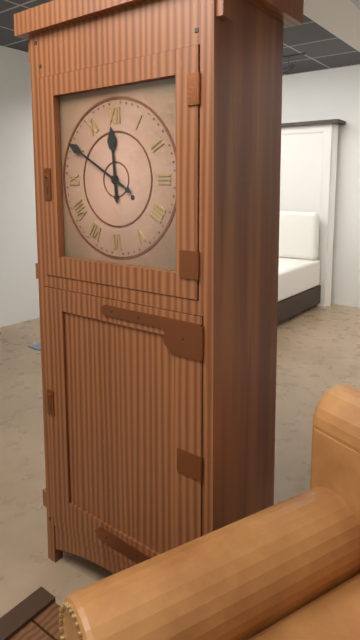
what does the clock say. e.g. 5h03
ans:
11h50
